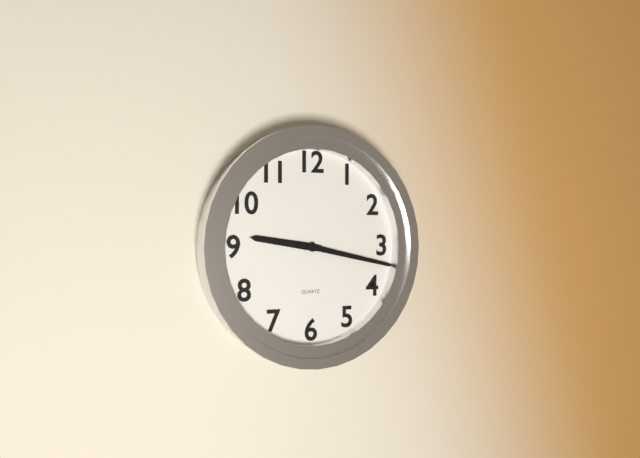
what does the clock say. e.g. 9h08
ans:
9h17
